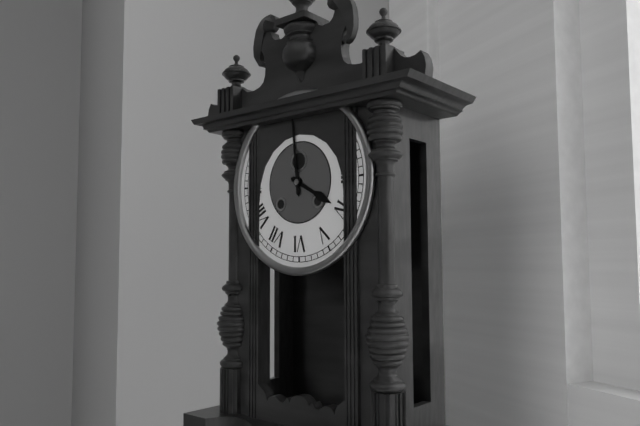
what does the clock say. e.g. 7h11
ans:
3h59
